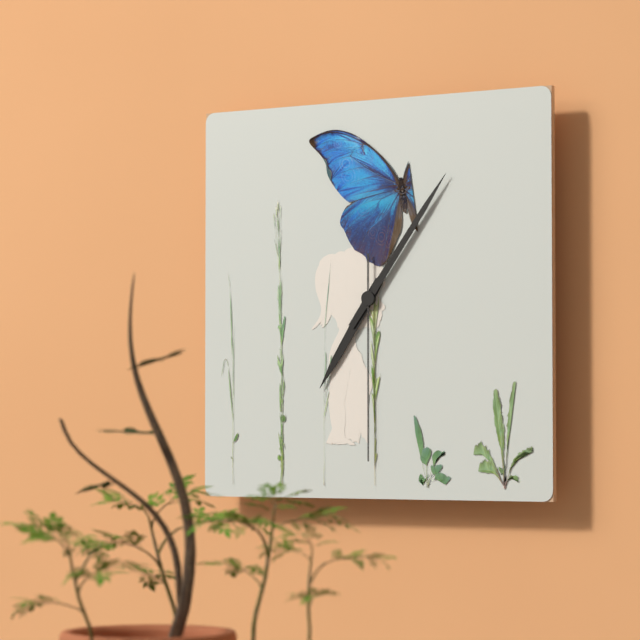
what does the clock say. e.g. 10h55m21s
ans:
7h06m30s
